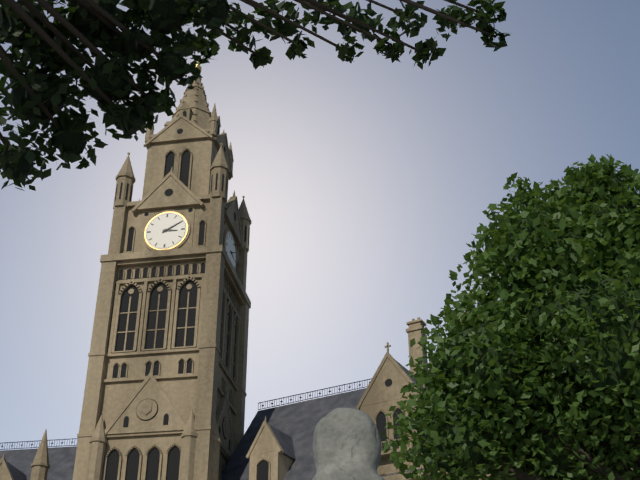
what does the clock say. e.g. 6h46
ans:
3h10
